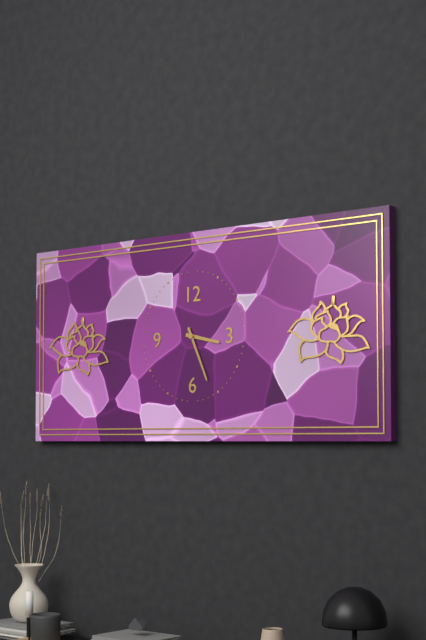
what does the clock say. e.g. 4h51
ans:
3h26
